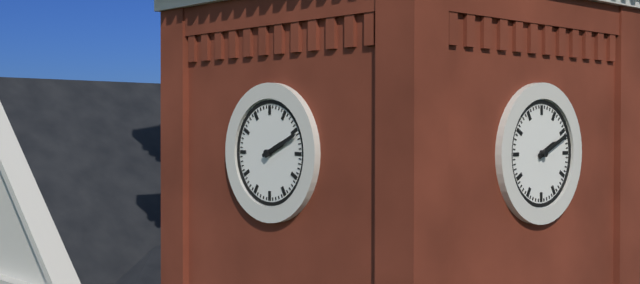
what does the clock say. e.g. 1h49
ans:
2h11
